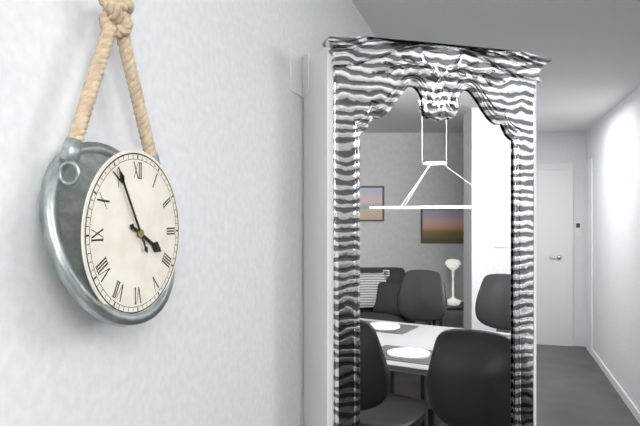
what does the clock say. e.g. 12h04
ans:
3h55
